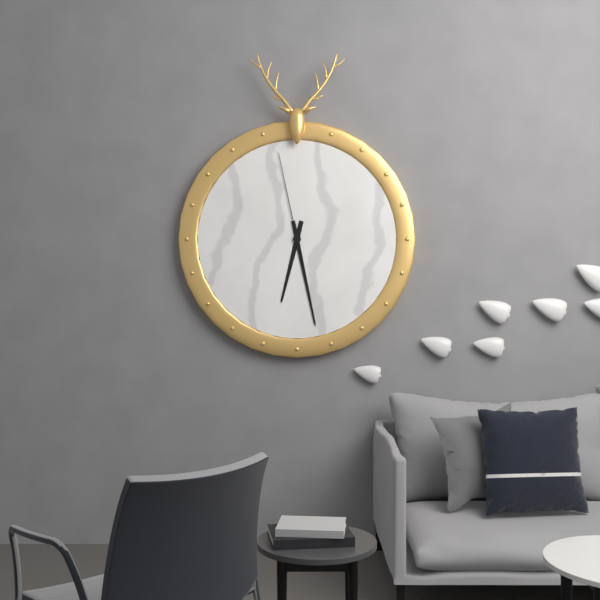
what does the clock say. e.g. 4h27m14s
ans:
6h28m58s
